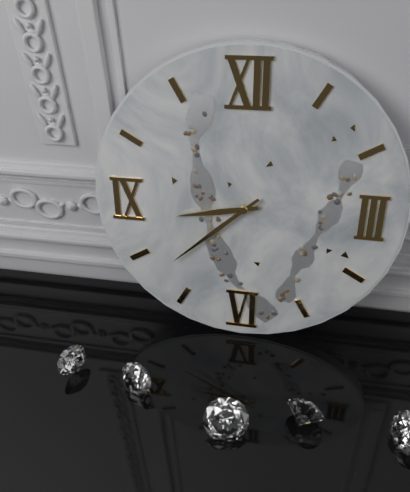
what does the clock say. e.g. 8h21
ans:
8h38
